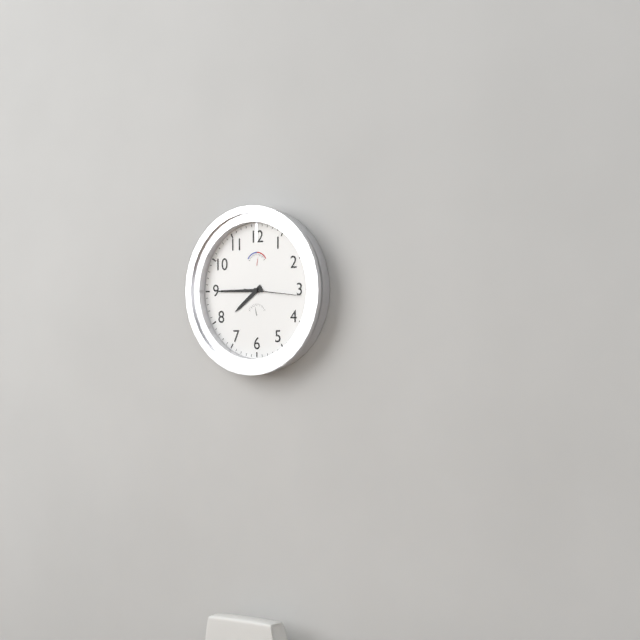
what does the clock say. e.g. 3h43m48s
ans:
7h45m16s
